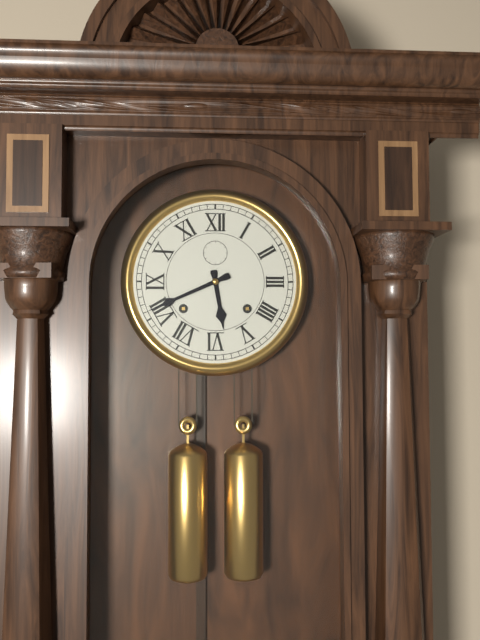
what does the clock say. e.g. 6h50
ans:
5h41
